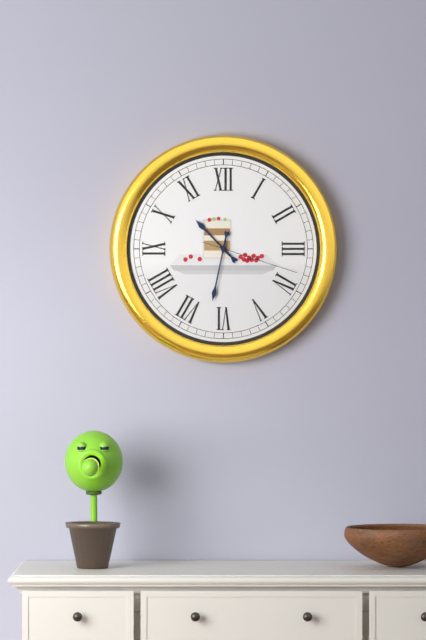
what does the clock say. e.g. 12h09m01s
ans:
10h32m18s
